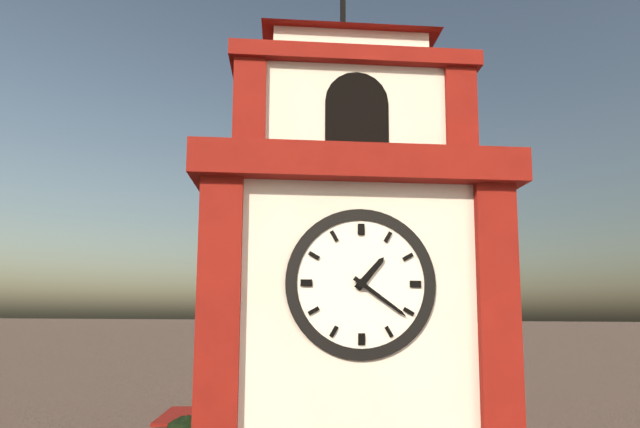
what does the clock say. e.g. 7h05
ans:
1h21
